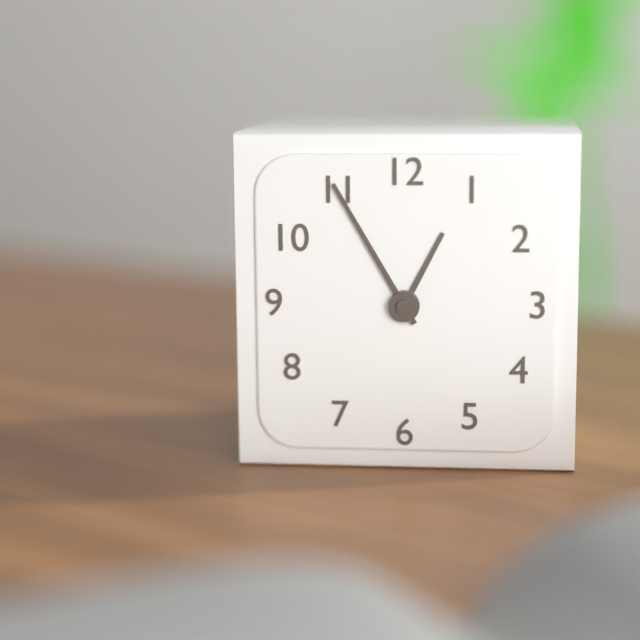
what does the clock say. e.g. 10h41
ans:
12h55
